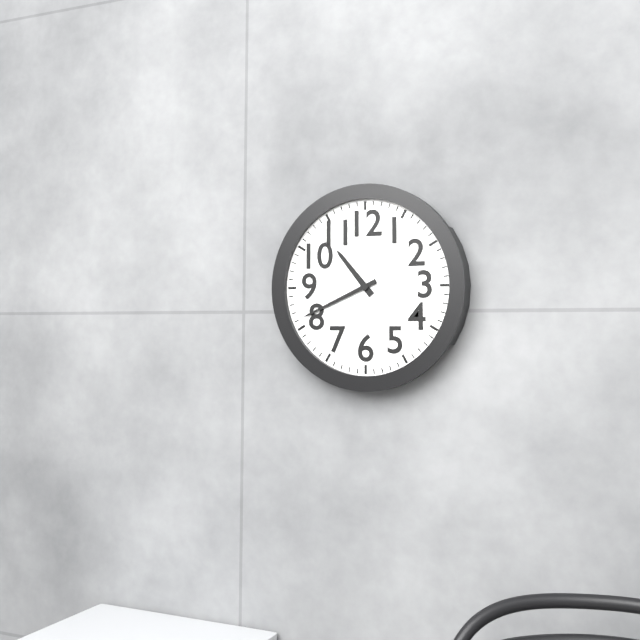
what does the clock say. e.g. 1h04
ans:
10h41
